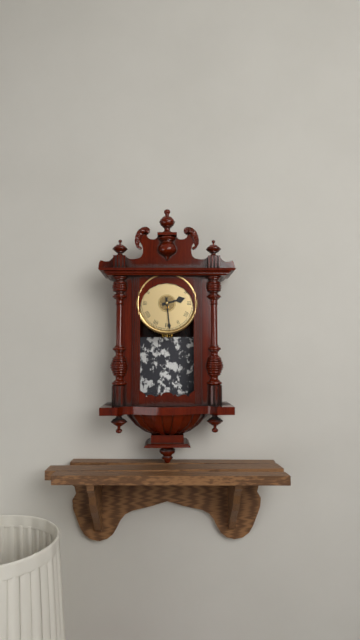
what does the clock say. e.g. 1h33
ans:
2h29
